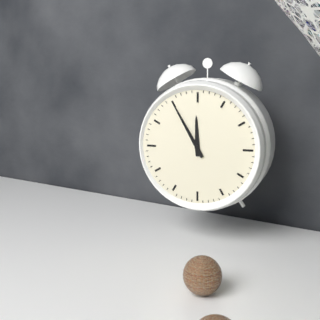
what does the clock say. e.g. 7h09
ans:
11h55
